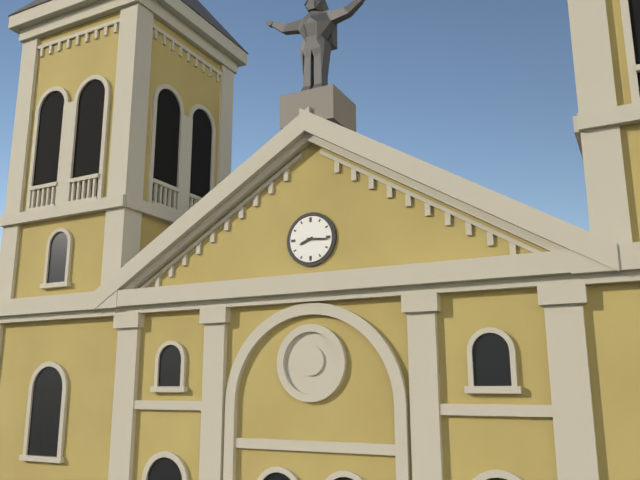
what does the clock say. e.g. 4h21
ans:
8h16
